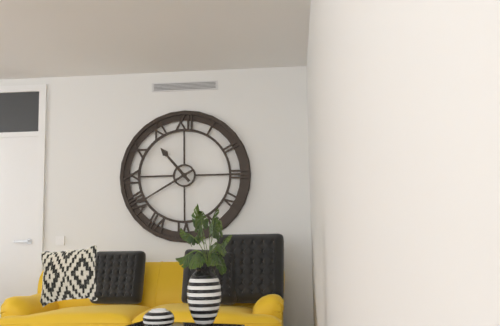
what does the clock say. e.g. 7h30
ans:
10h40
